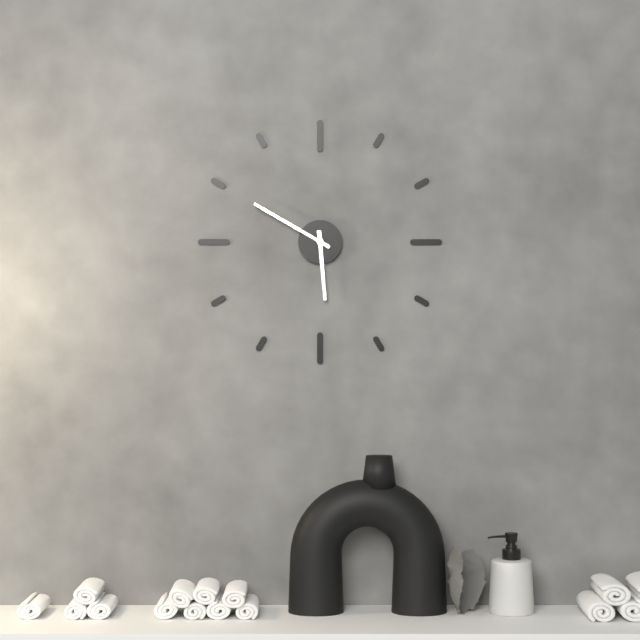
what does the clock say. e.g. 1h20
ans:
5h50
